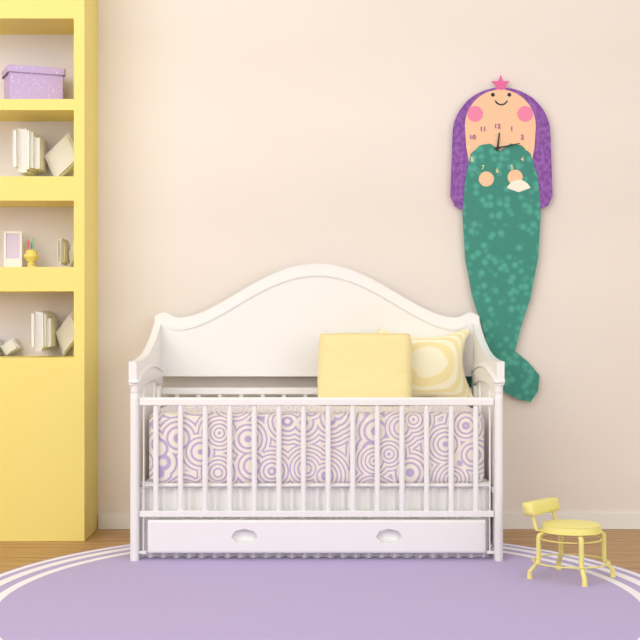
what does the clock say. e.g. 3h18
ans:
12h13
